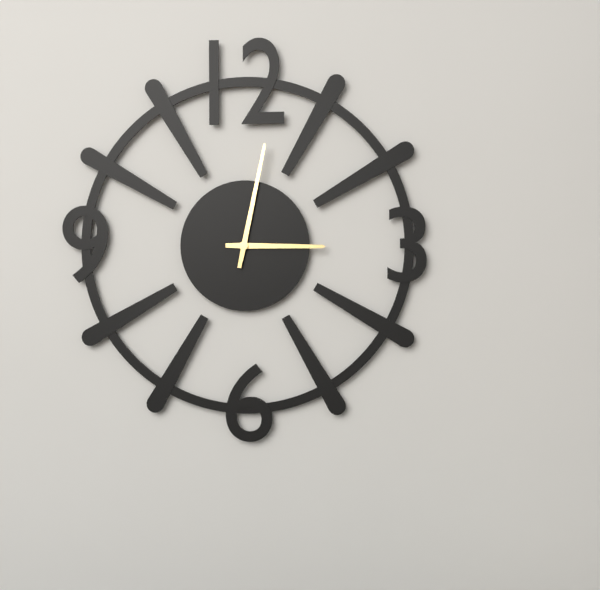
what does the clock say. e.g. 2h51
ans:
3h02
